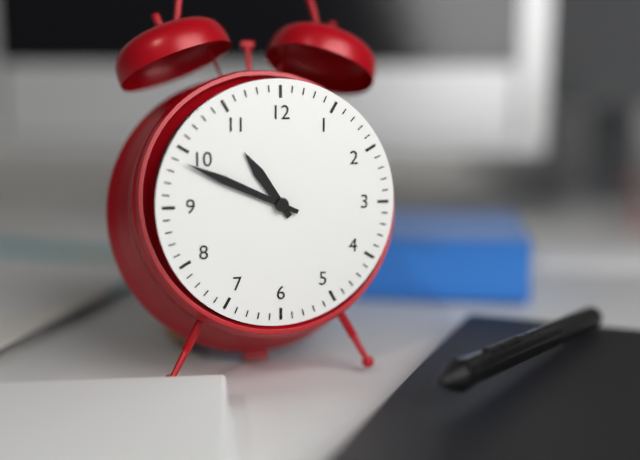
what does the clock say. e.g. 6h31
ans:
10h49
